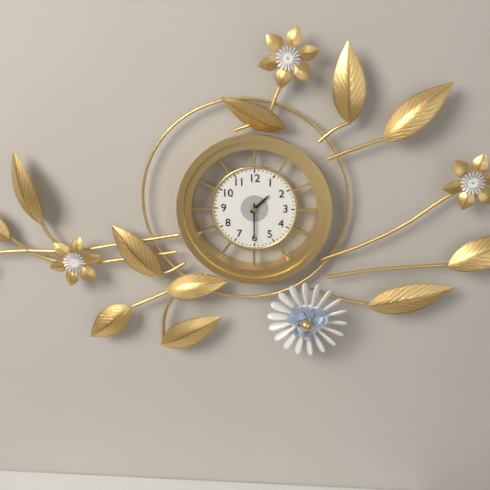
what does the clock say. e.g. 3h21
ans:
1h30
